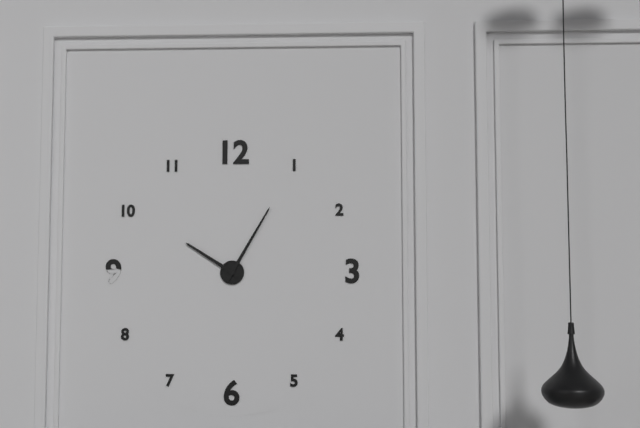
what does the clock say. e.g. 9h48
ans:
10h05
